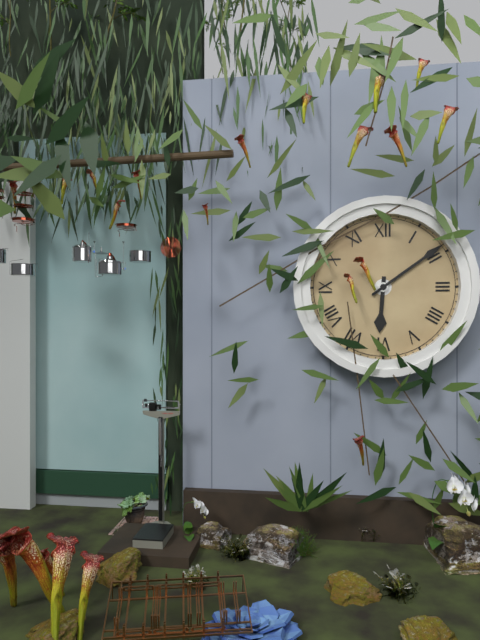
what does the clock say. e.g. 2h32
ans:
6h09
